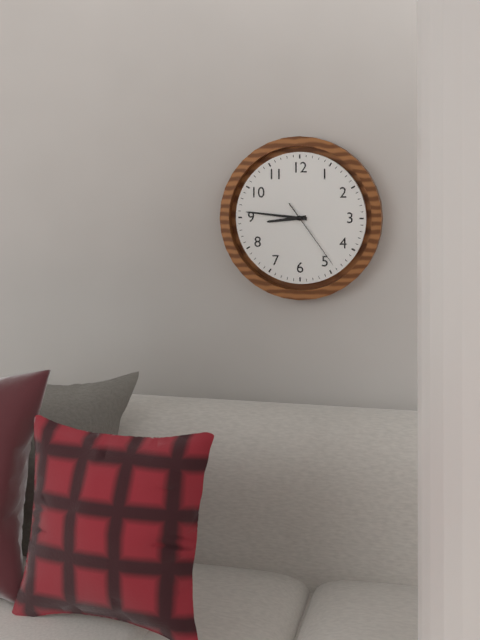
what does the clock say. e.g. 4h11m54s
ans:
8h46m24s
